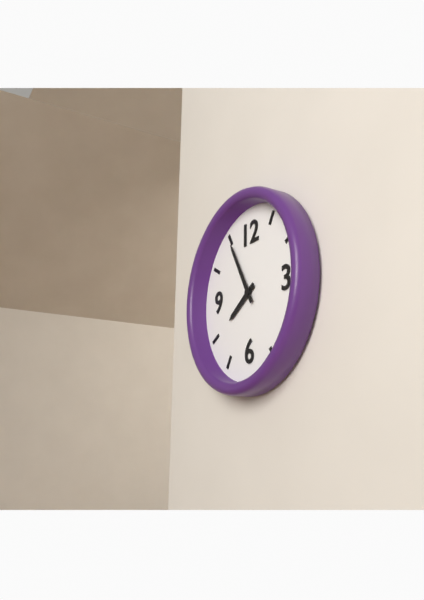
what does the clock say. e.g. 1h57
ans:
7h55
